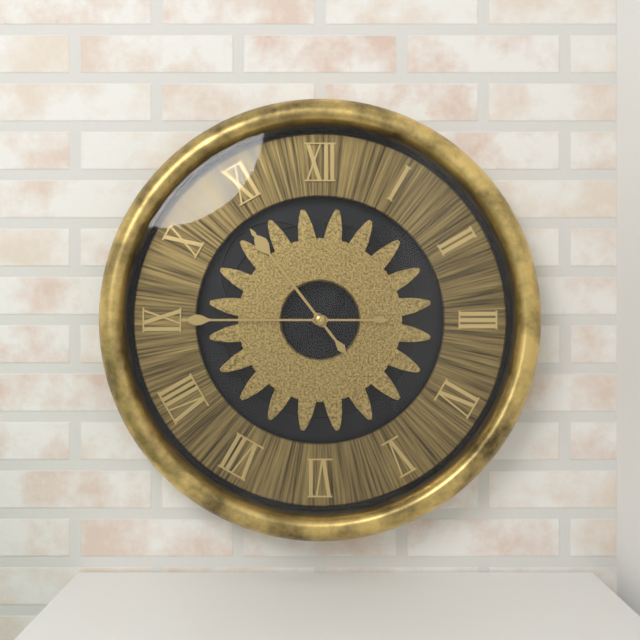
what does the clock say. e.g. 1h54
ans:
10h45
